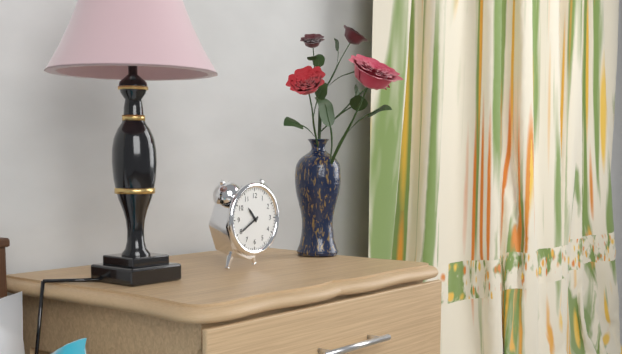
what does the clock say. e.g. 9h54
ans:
10h40
